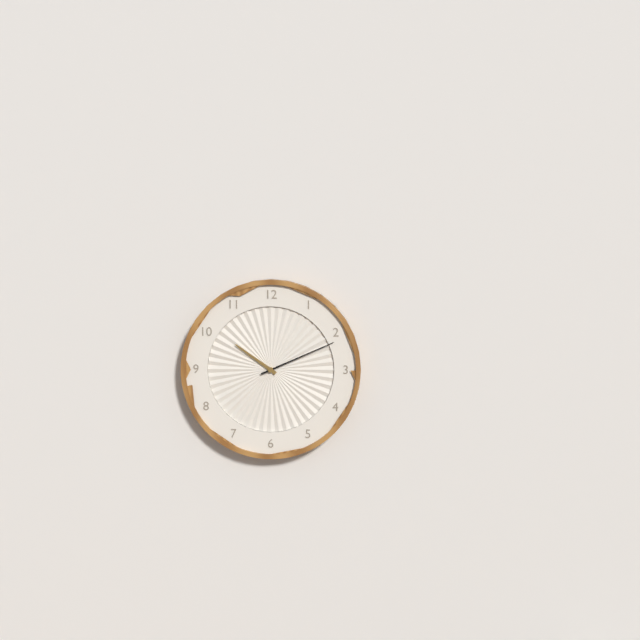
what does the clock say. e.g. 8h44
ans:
10h11
